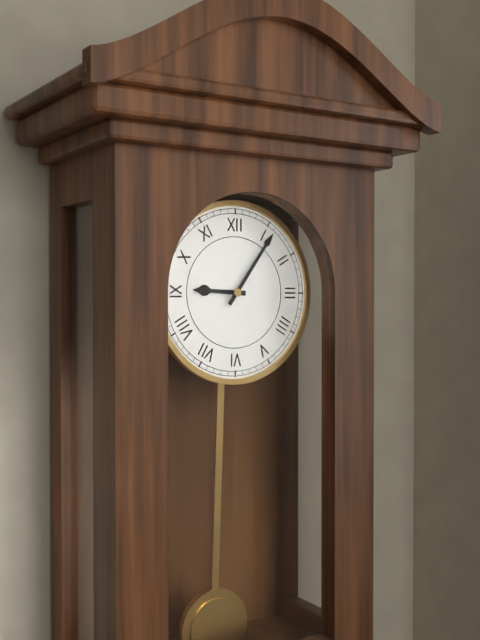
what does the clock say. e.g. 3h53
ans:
9h06
